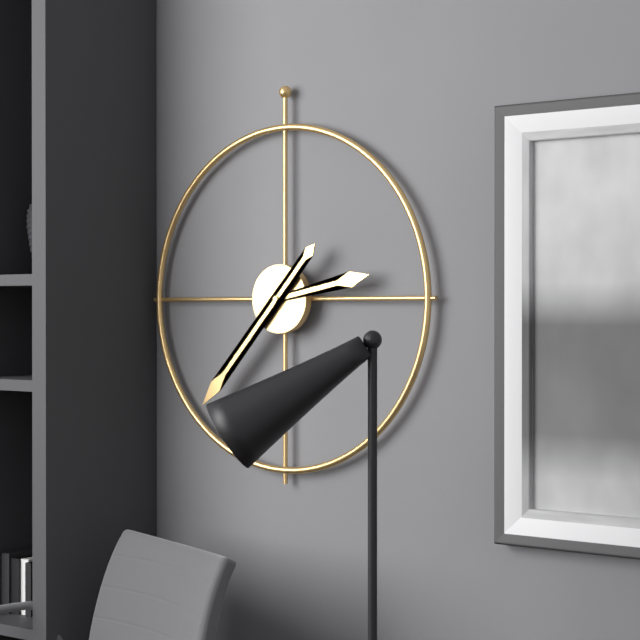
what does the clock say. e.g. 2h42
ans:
2h37
